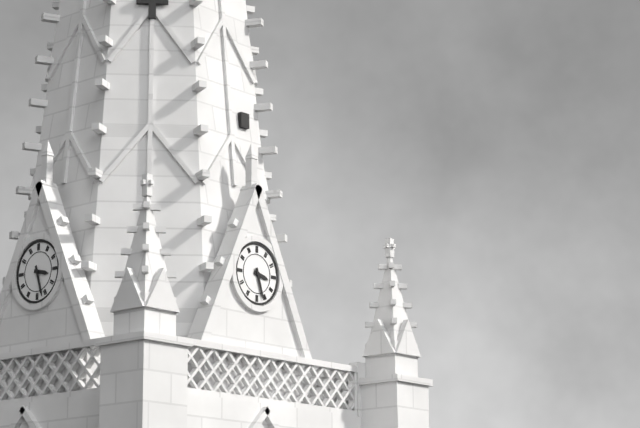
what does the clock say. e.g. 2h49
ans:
3h27
